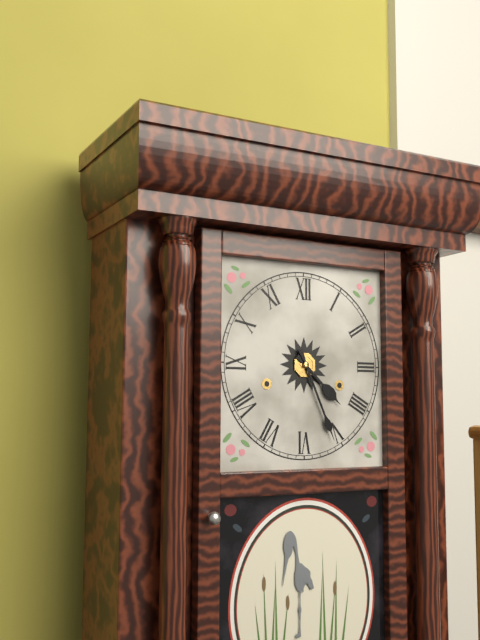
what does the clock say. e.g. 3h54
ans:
4h26
